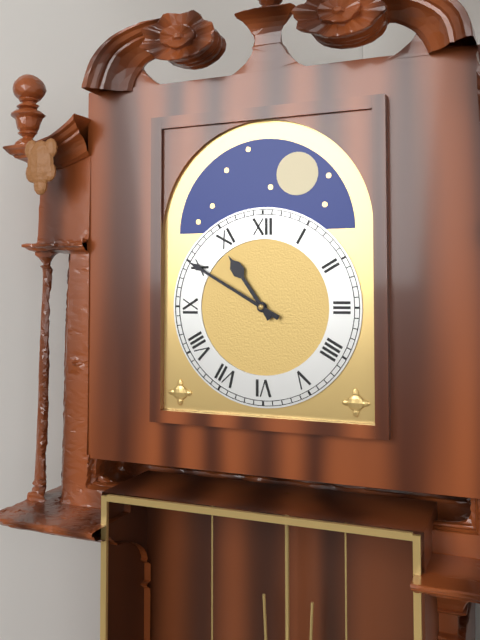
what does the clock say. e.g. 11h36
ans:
10h50
